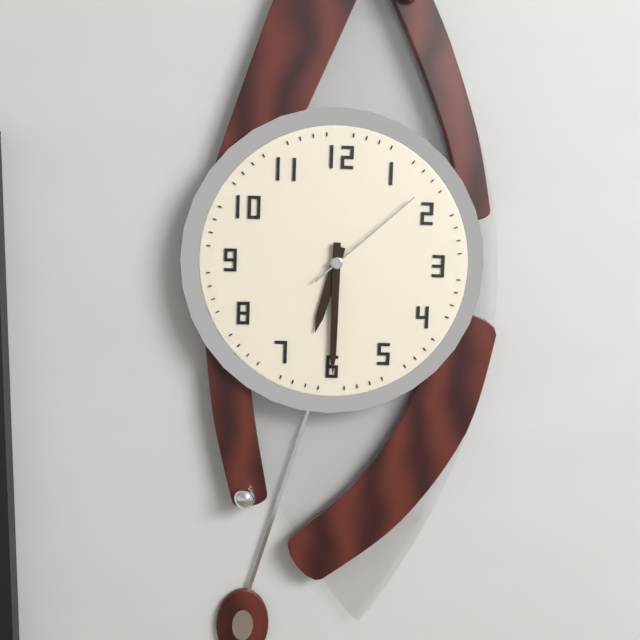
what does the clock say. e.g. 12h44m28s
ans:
6h30m08s
